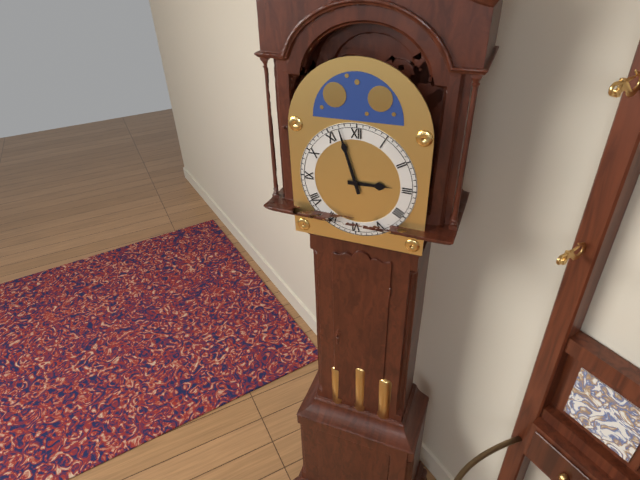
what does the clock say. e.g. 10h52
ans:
2h57
